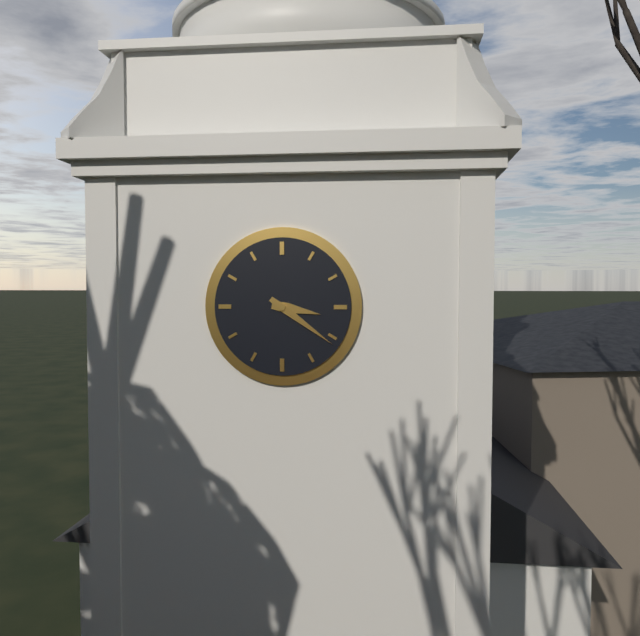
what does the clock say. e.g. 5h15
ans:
3h21
